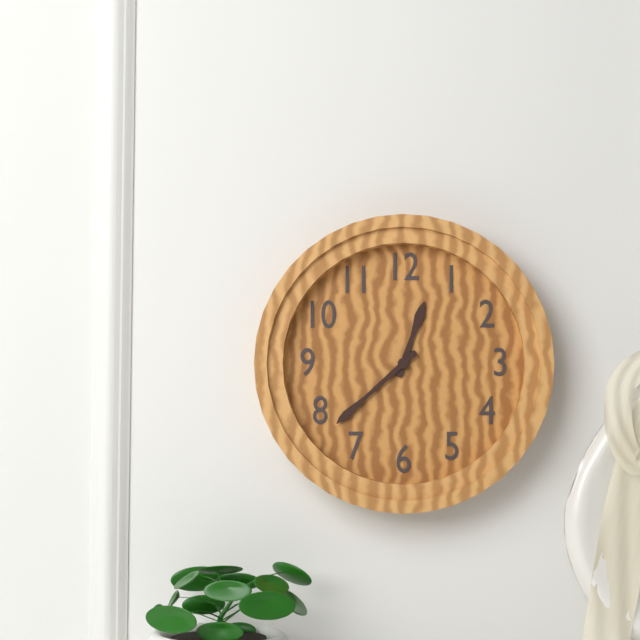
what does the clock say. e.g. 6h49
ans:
12h38
